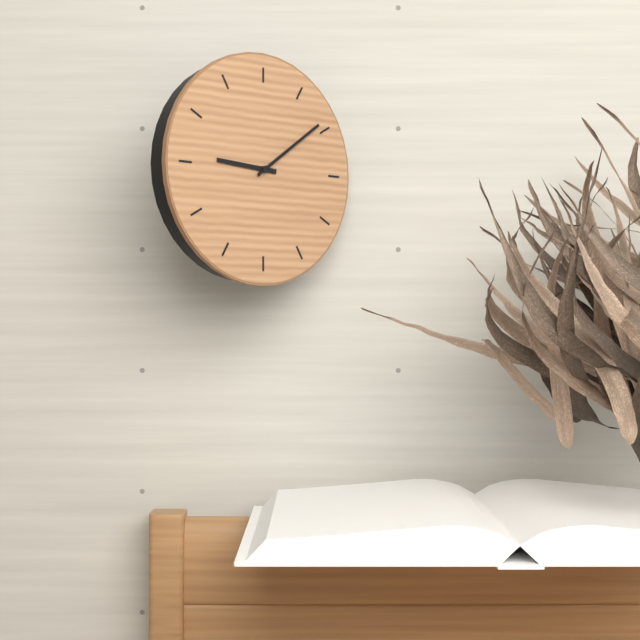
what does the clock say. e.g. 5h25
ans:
9h09
